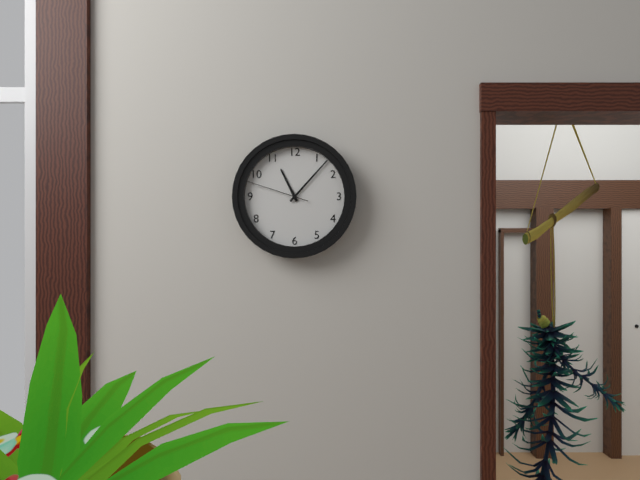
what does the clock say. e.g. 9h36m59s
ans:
11h07m48s
